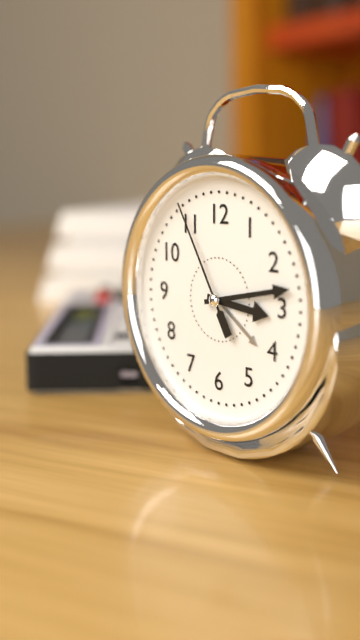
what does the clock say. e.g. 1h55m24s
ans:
3h13m55s
